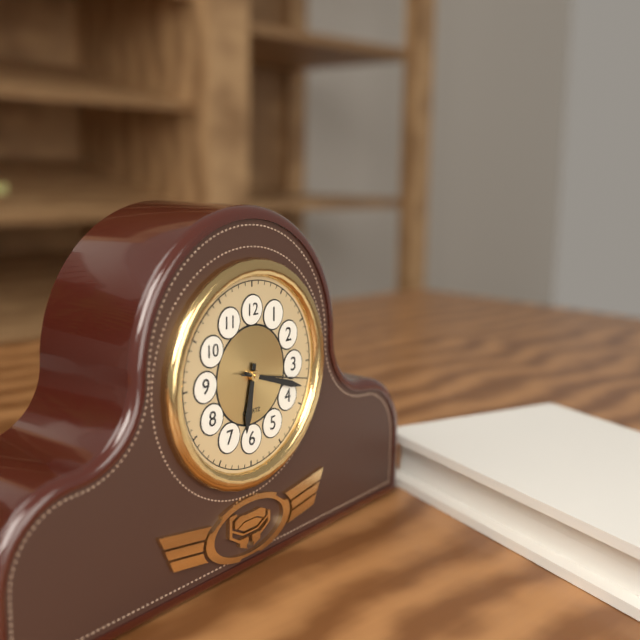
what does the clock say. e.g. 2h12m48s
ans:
6h18m17s
